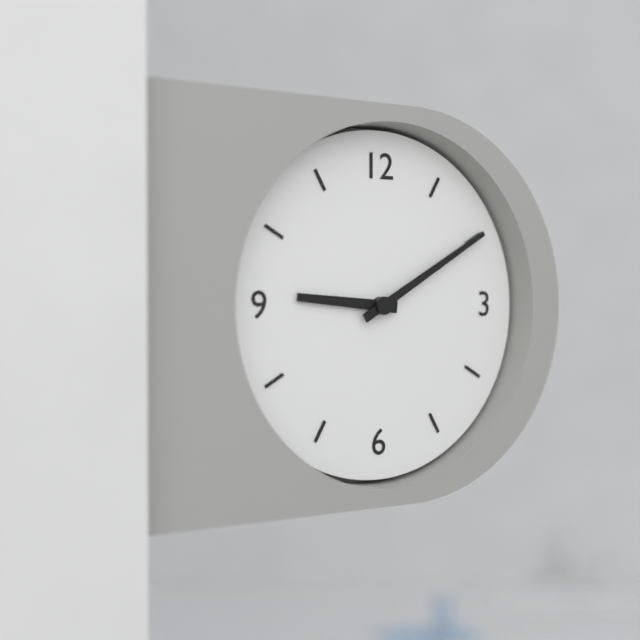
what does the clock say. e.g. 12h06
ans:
9h10
